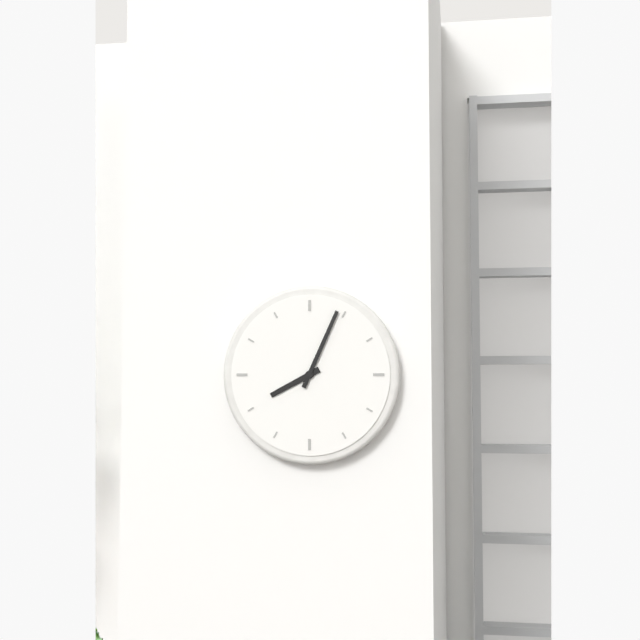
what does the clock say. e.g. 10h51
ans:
8h04
